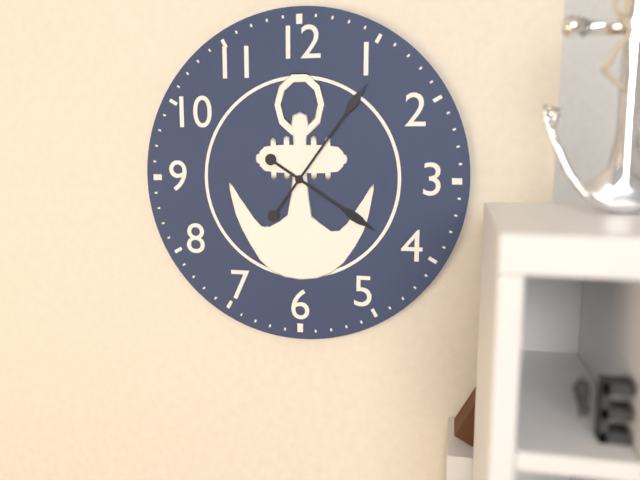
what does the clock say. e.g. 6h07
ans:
4h06
